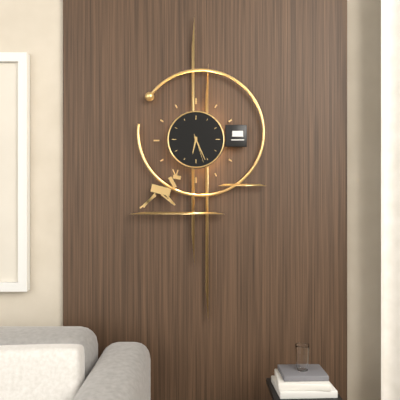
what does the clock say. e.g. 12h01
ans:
6h26
